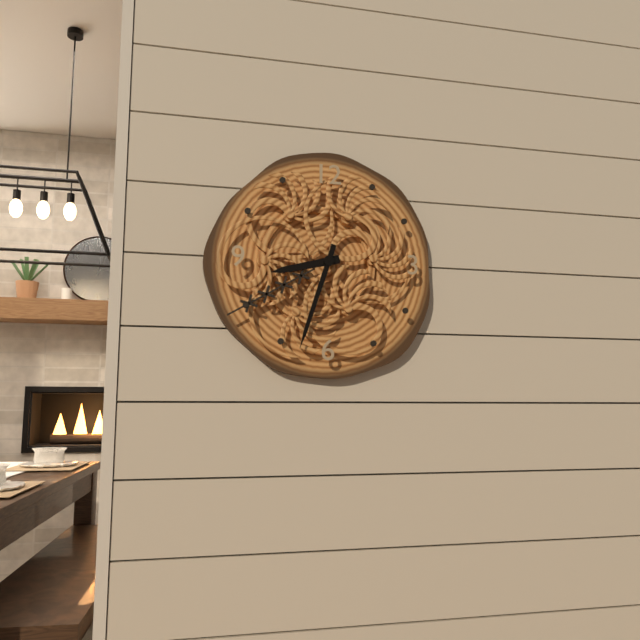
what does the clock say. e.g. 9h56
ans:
8h33
